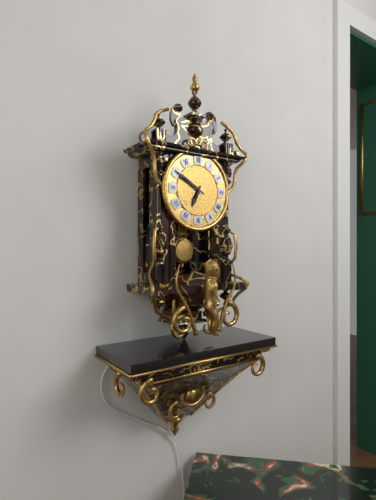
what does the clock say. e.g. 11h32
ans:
6h50
